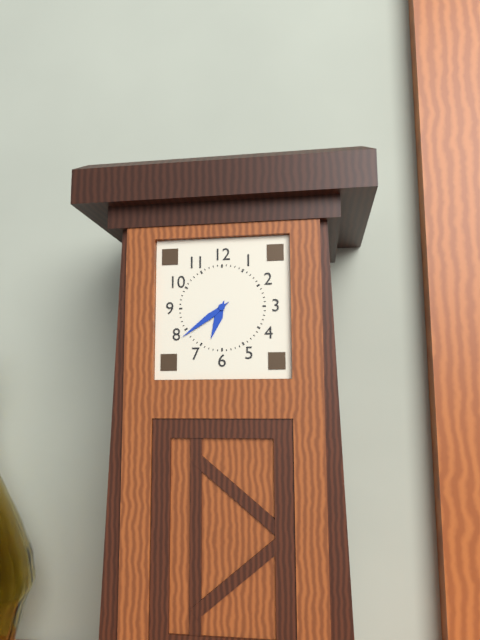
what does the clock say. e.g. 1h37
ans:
6h39
